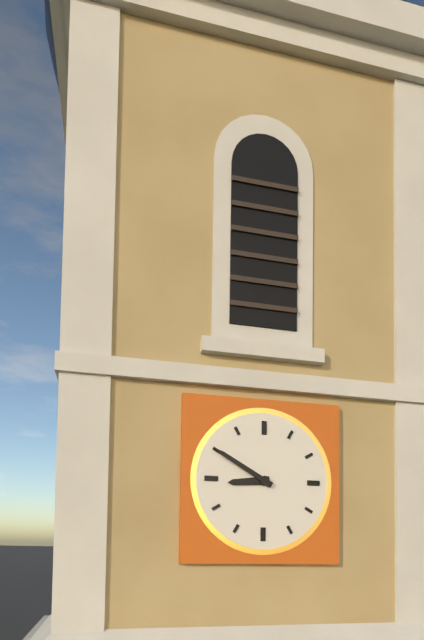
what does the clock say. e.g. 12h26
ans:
8h50
